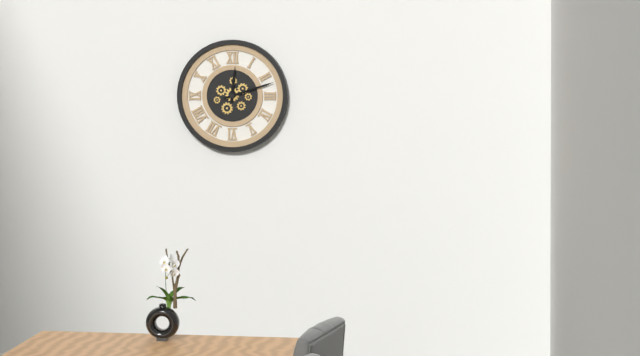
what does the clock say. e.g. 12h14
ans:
12h12
